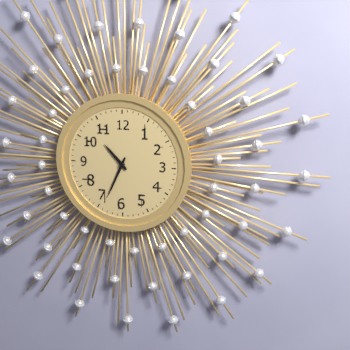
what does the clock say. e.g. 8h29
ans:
10h34
